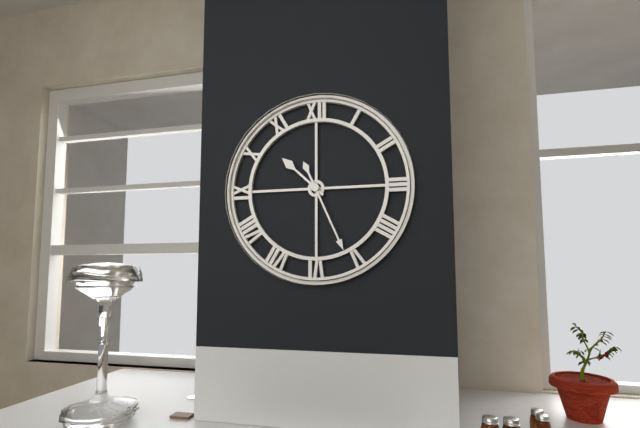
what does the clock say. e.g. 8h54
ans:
10h26
